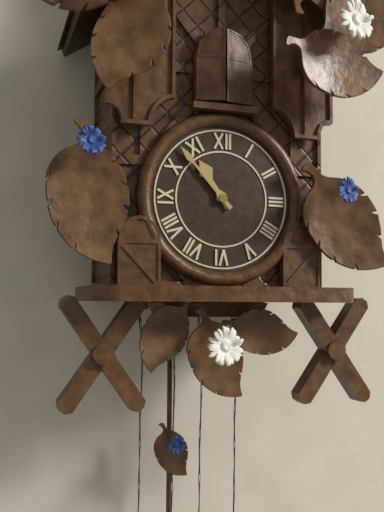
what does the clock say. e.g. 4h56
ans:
10h53
